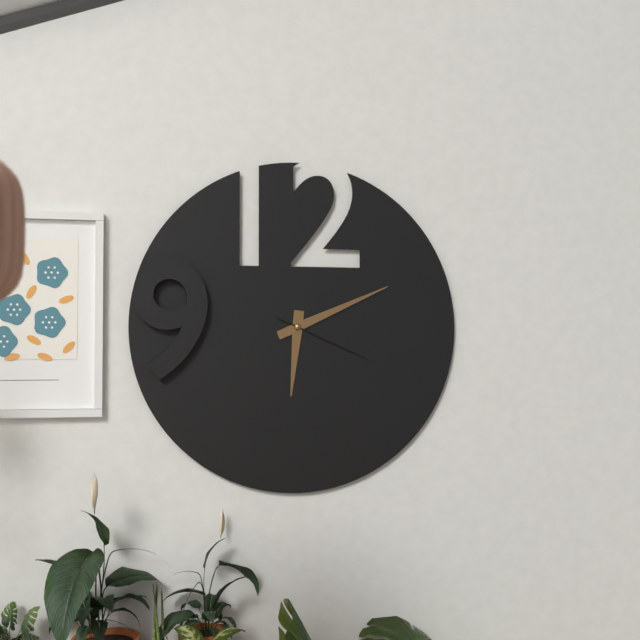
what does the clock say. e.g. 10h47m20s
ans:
6h11m19s
